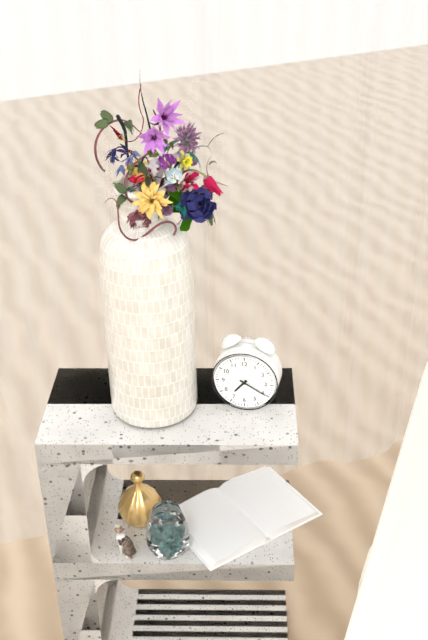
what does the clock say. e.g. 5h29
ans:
7h20
